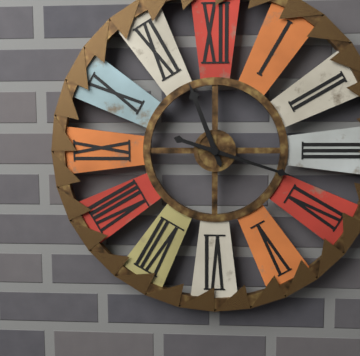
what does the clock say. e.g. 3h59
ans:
11h18
